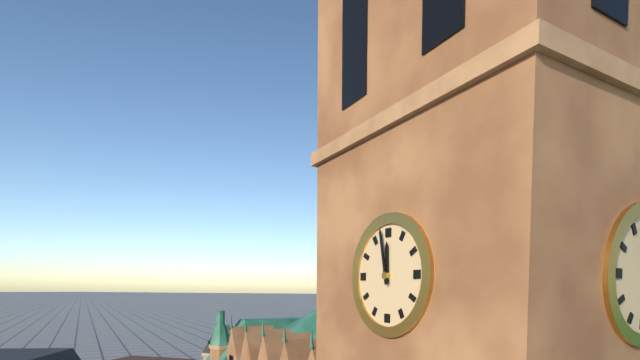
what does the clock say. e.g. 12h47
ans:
11h58
